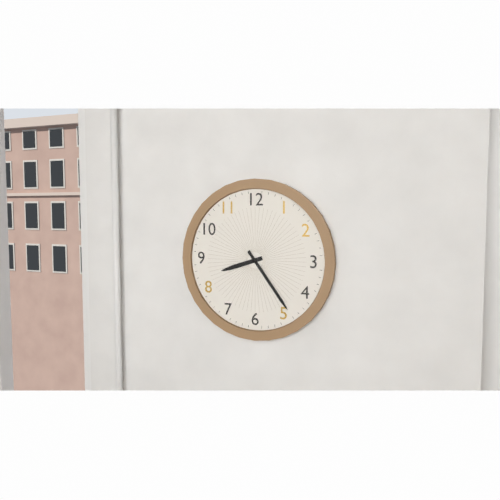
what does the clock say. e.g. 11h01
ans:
8h24
